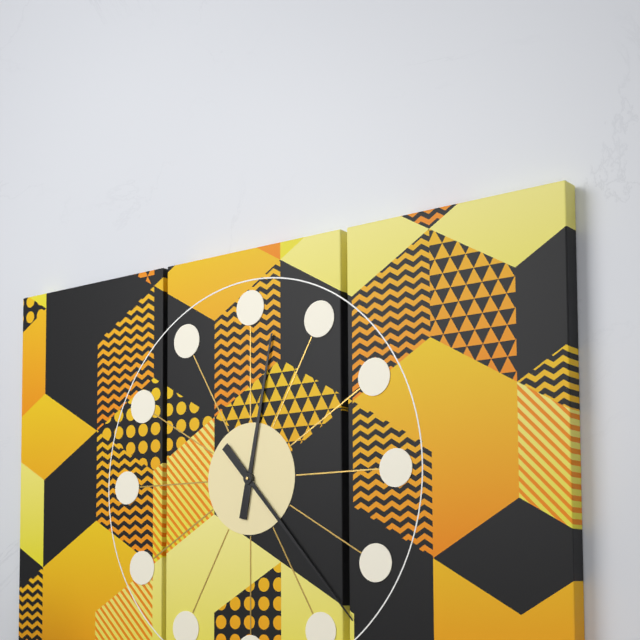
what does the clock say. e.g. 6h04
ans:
12h23
